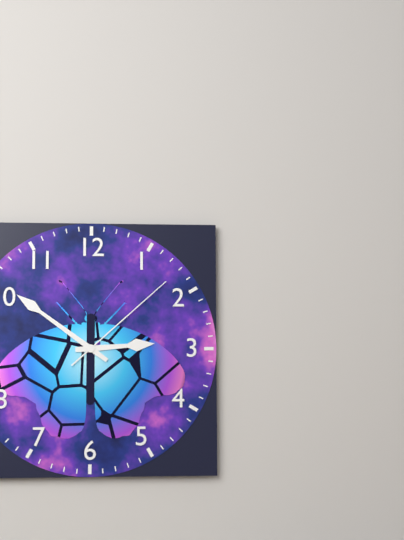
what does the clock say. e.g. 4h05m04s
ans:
2h51m08s
